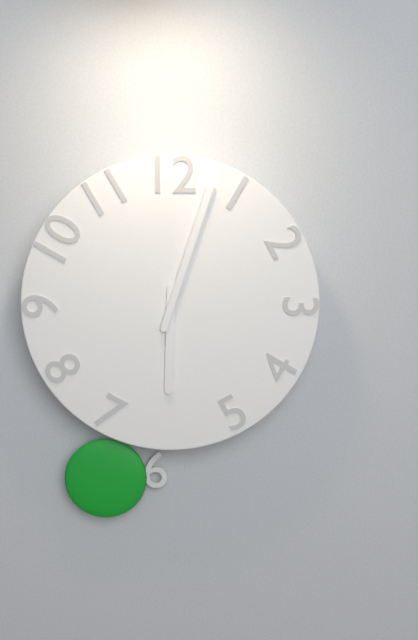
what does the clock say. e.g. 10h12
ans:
6h03
